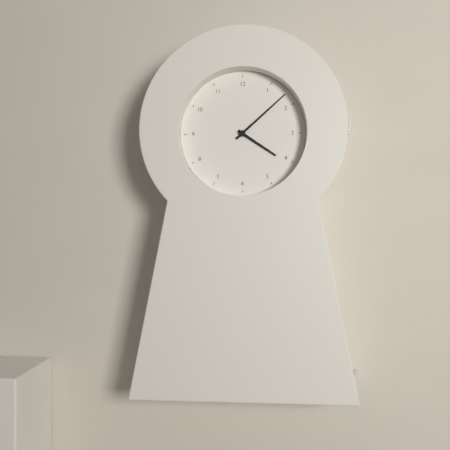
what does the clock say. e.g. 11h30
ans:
4h08
